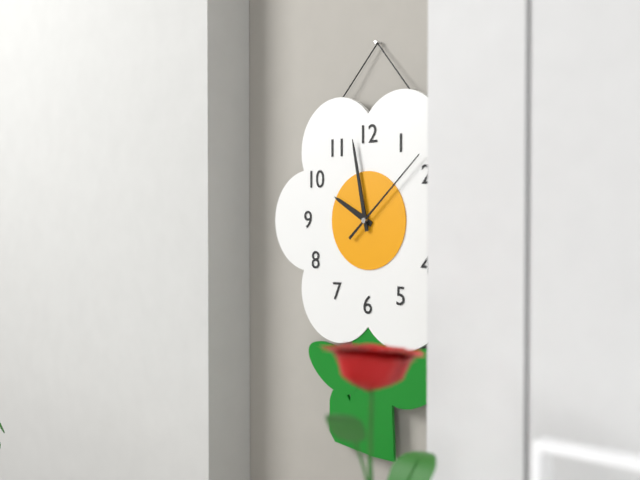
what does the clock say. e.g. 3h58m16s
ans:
9h58m08s
